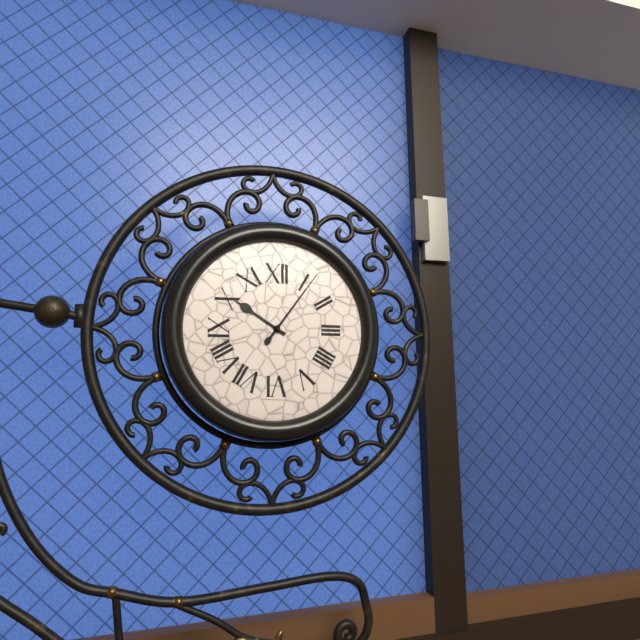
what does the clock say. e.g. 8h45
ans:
10h06
